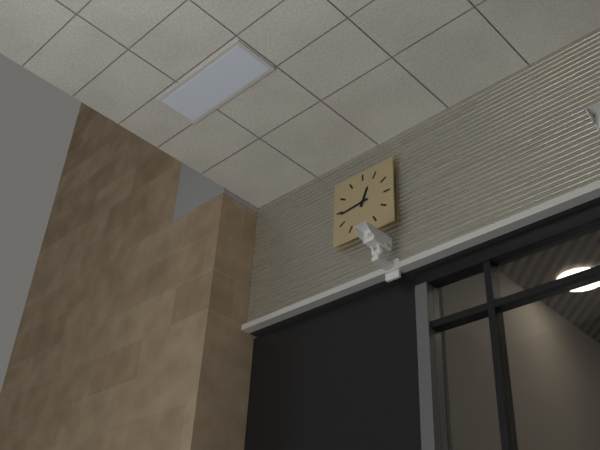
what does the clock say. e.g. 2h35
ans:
12h44
